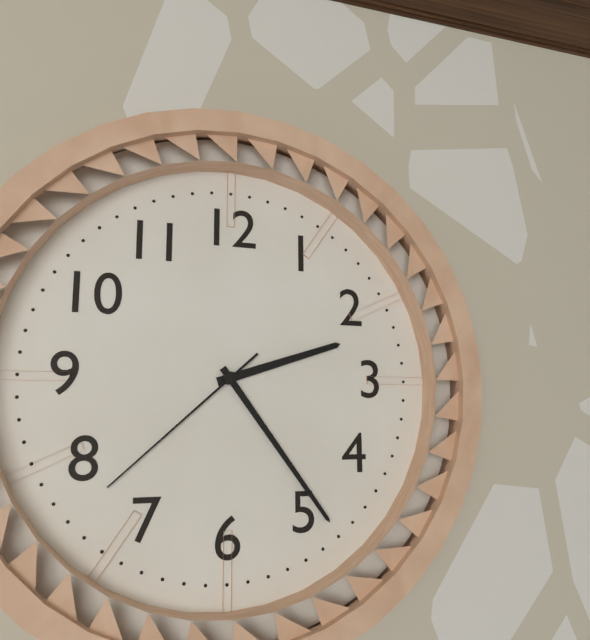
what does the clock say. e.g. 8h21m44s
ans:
2h24m38s
